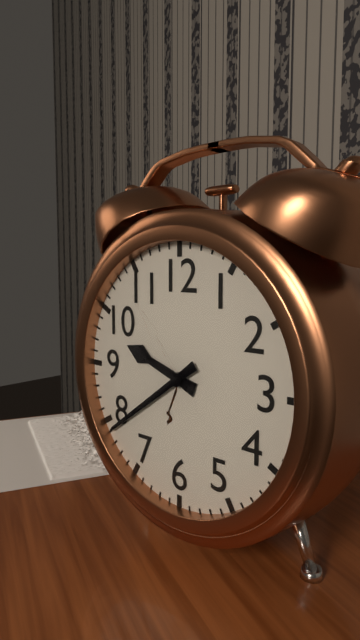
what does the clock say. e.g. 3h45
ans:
9h39
